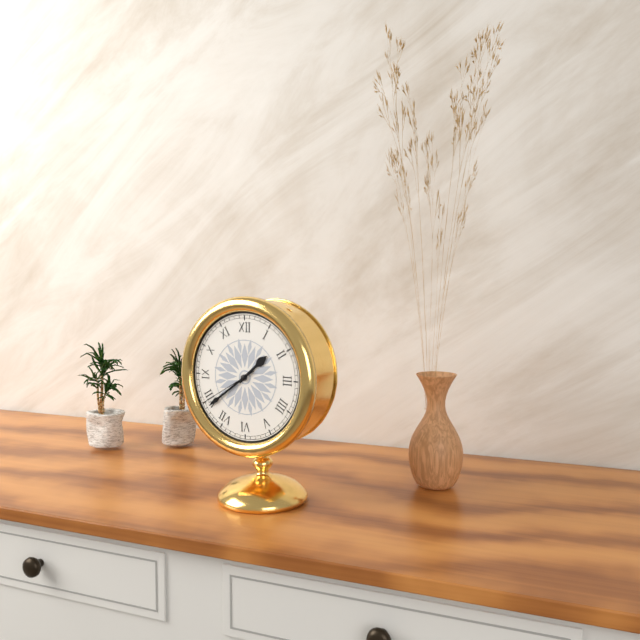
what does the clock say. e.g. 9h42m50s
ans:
1h39m40s
